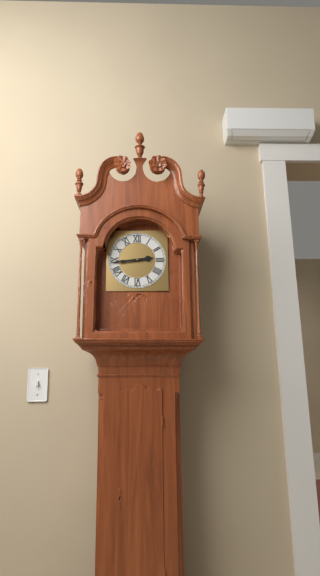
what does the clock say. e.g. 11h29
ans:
2h44
